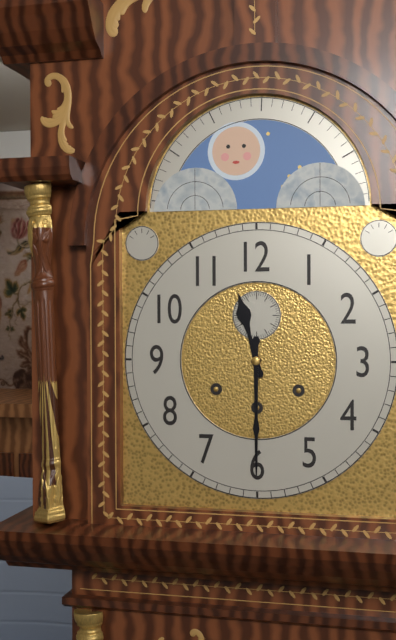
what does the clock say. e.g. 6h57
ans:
11h30
